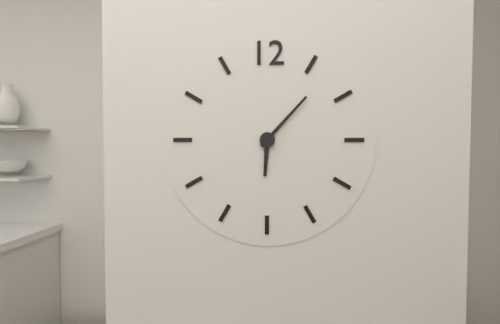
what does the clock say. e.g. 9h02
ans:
6h07
